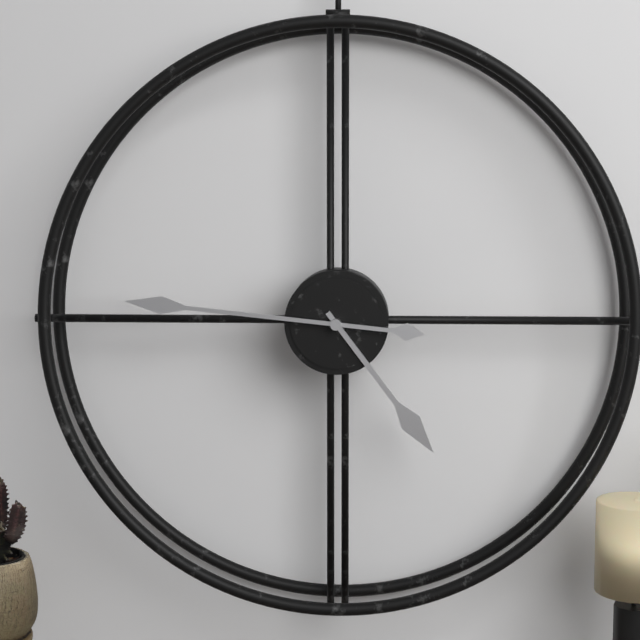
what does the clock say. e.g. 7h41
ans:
4h46
